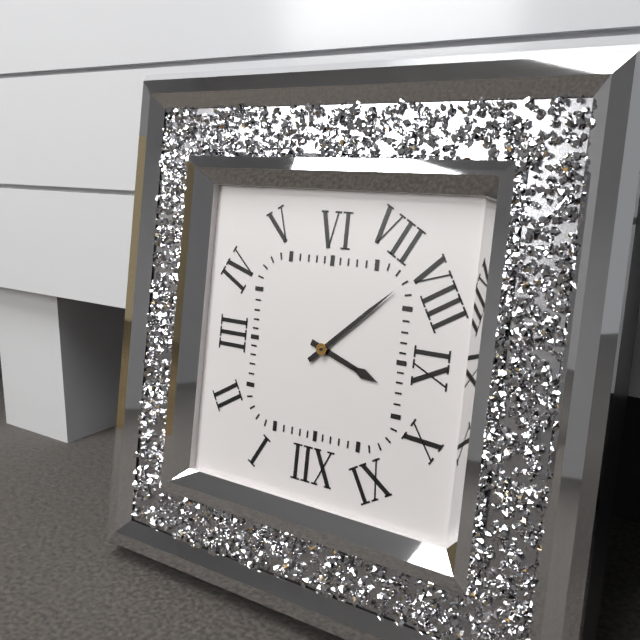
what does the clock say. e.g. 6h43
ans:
9h38
